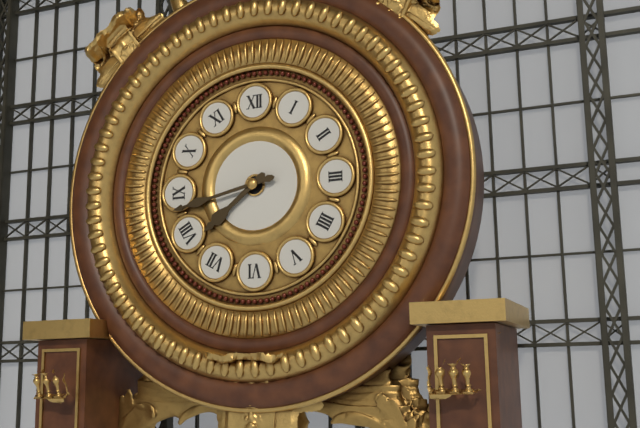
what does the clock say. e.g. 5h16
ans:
7h43
